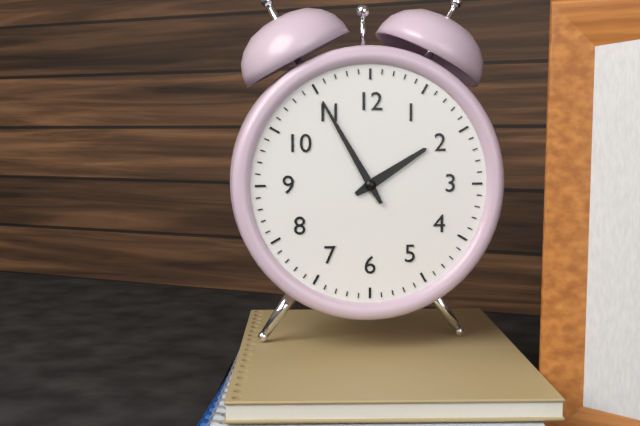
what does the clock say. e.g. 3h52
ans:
1h55
